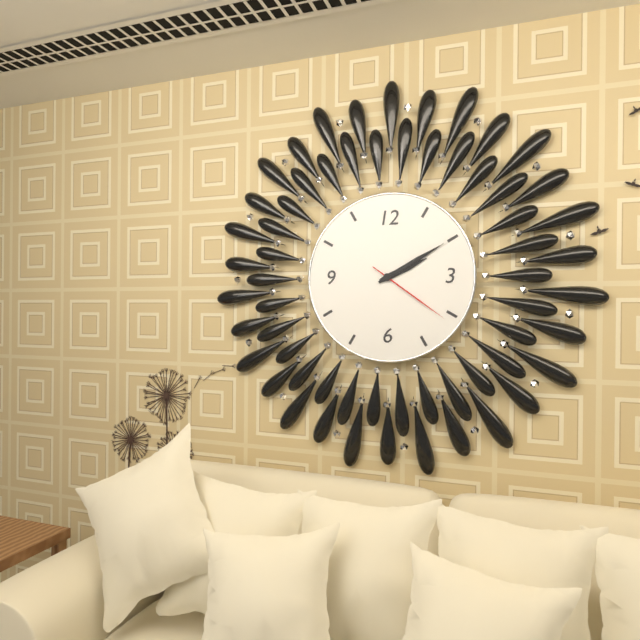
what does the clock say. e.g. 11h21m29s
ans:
2h10m21s
